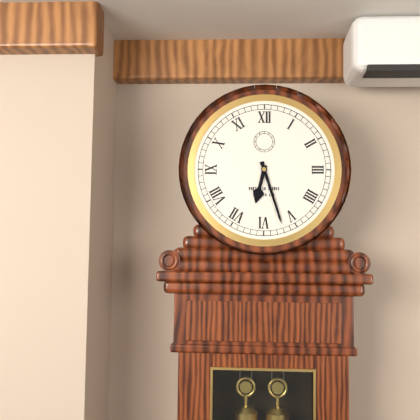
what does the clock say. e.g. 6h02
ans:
6h27
